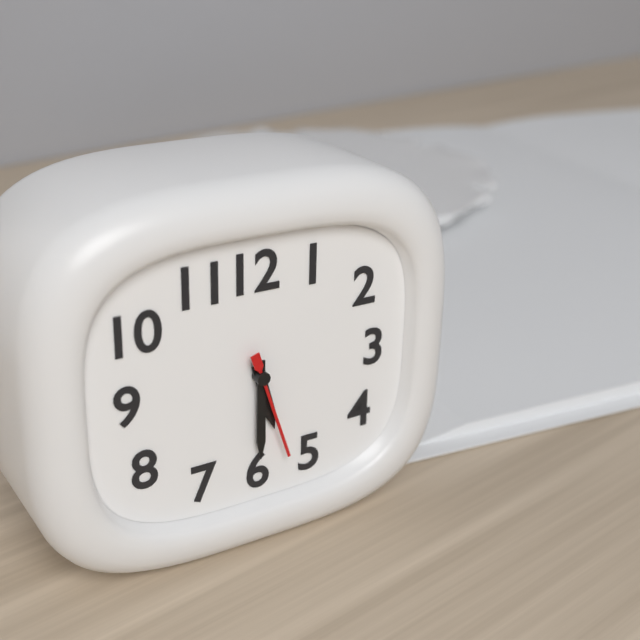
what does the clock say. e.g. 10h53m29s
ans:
5h30m27s
